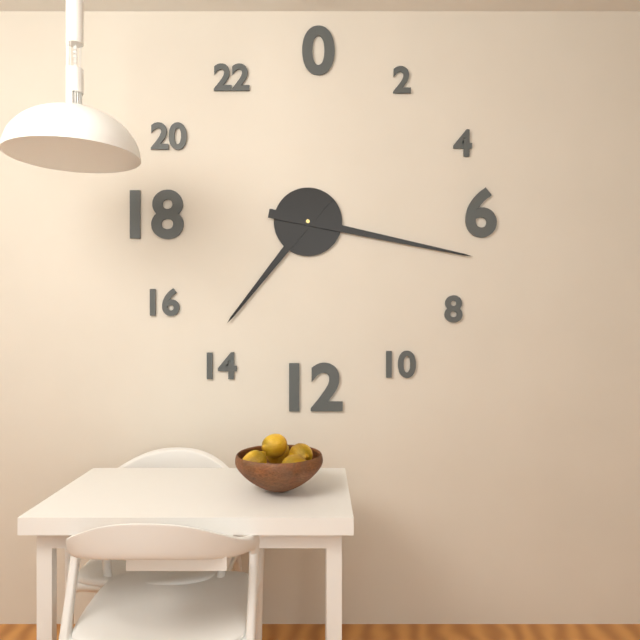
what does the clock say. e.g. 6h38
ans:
7h17
